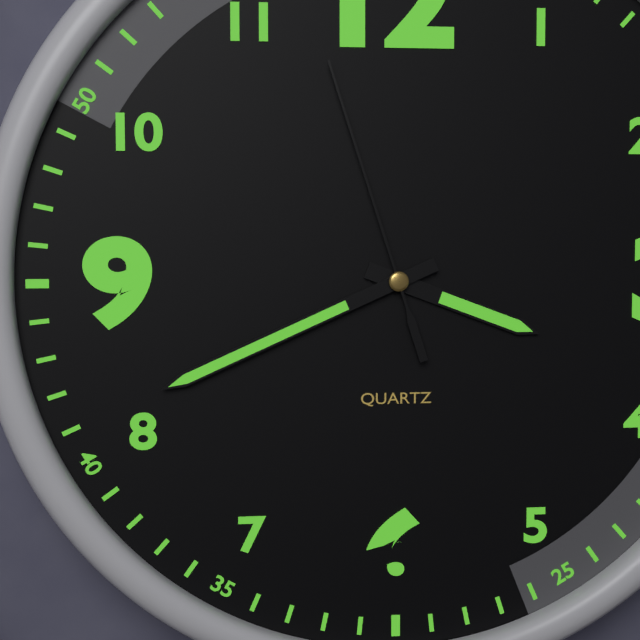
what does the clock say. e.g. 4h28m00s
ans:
3h41m57s
